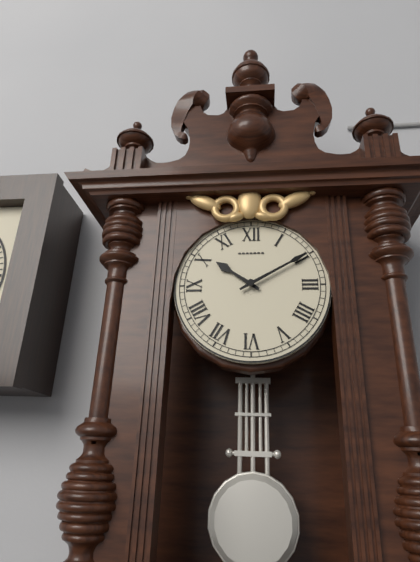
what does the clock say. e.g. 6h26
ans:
10h10
